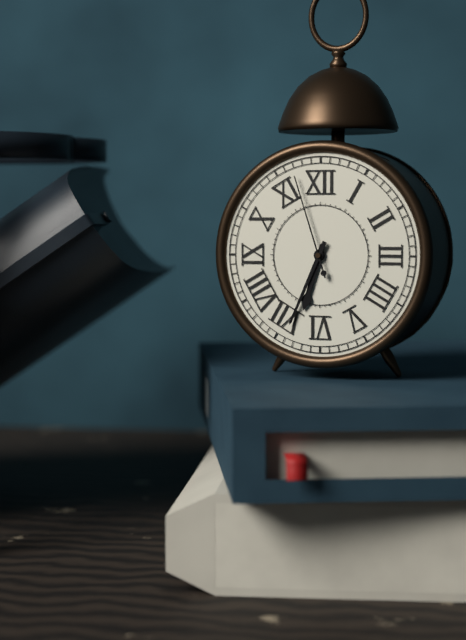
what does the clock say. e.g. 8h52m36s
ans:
6h34m57s
